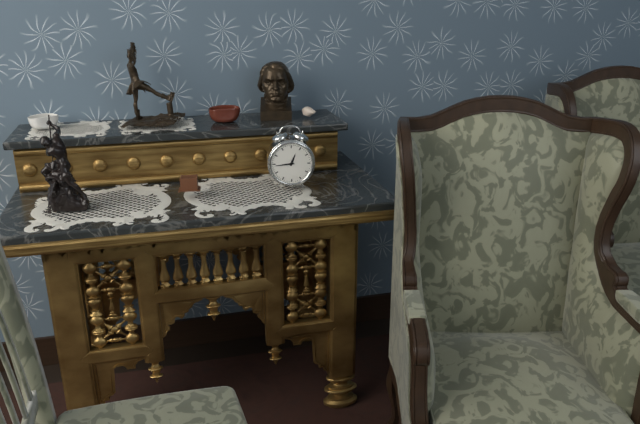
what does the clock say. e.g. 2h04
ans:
12h44
